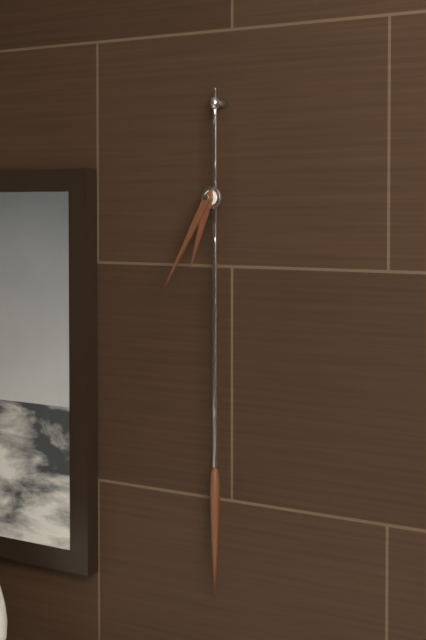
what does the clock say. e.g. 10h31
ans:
6h35
